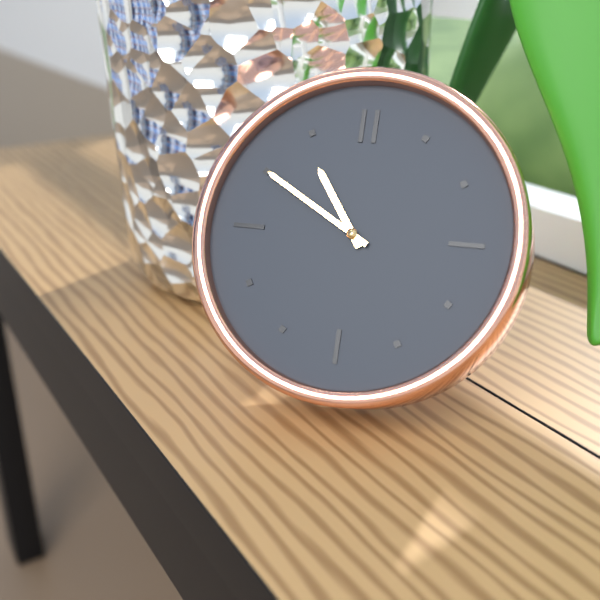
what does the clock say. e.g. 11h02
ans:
10h50
